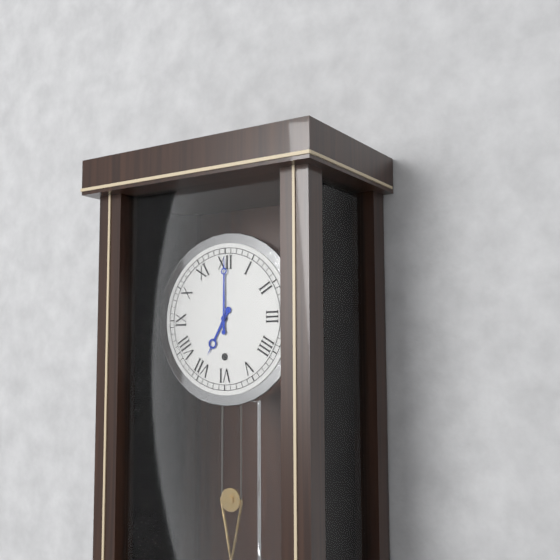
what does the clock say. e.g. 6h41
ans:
7h00
